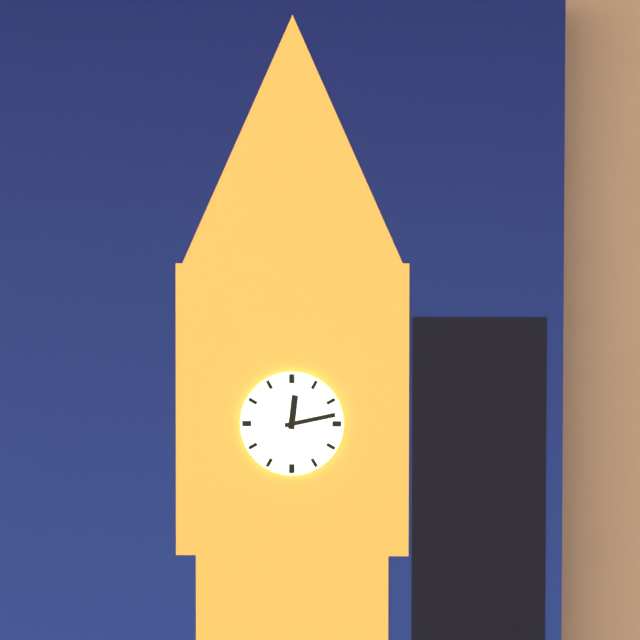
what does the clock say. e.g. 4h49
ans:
12h13
